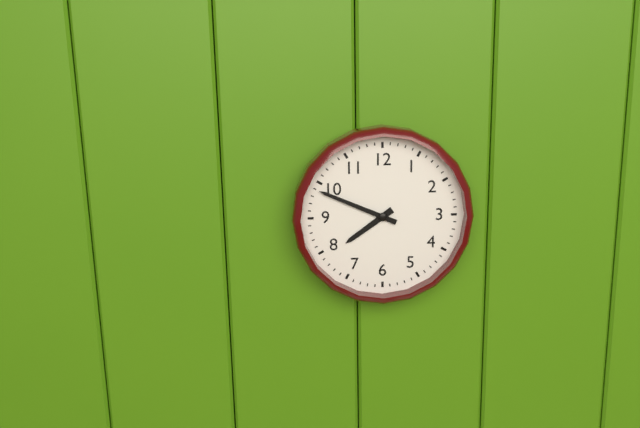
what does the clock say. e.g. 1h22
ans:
7h49
